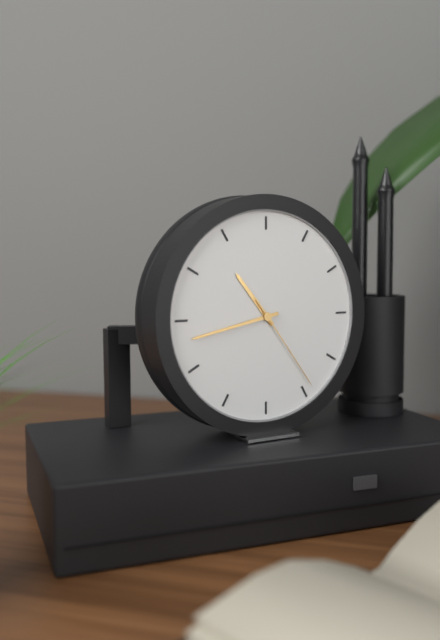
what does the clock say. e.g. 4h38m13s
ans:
10h43m24s
